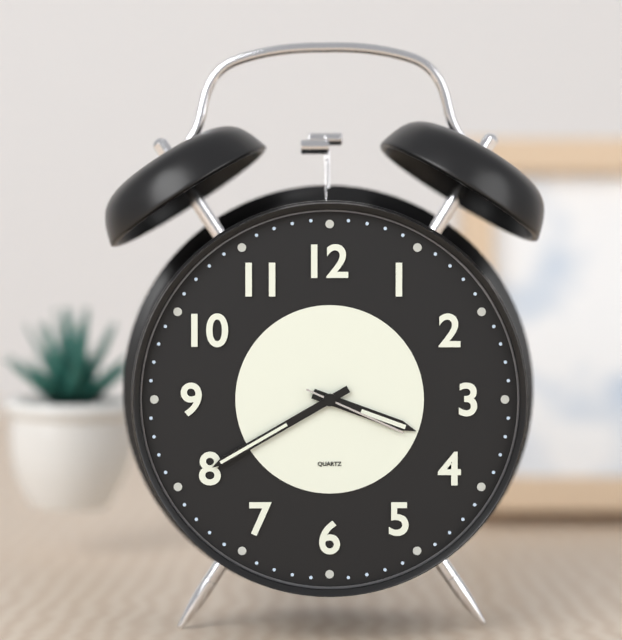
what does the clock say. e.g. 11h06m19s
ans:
3h40m19s
